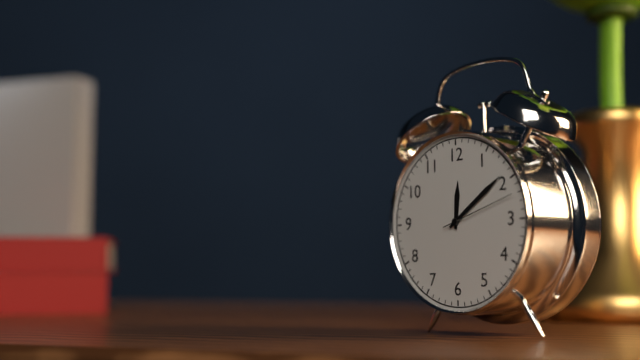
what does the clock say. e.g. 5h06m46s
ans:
12h09m12s
